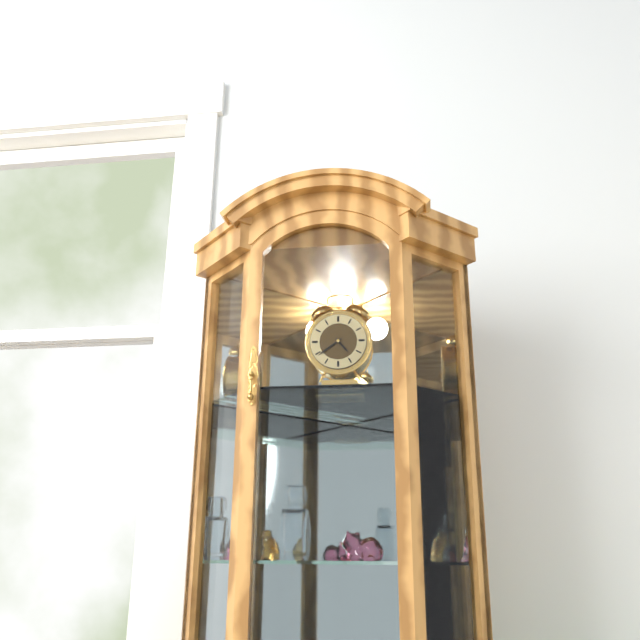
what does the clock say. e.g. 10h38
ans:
4h39
